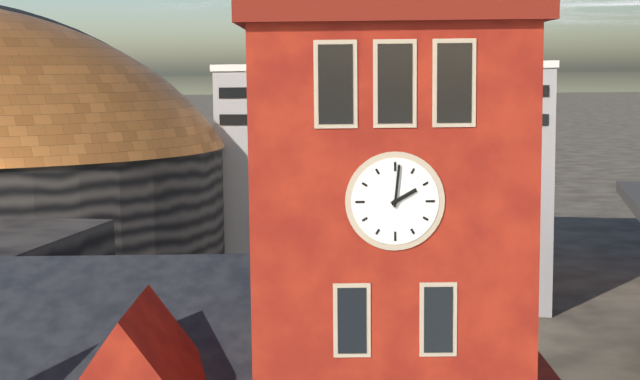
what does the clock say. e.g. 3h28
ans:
2h01
